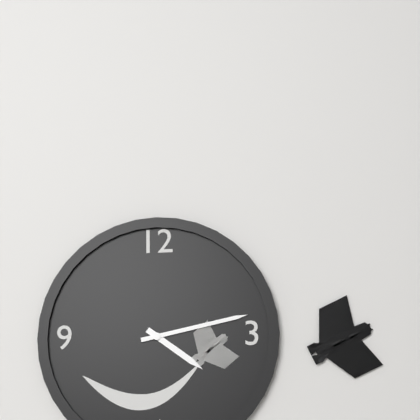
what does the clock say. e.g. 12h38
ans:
4h13
